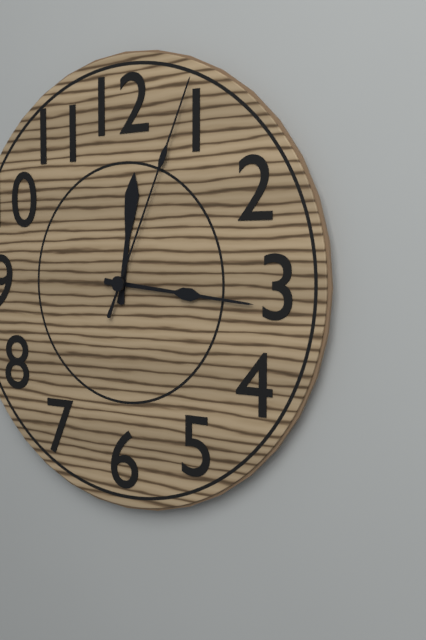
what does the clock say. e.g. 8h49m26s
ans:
12h16m04s
